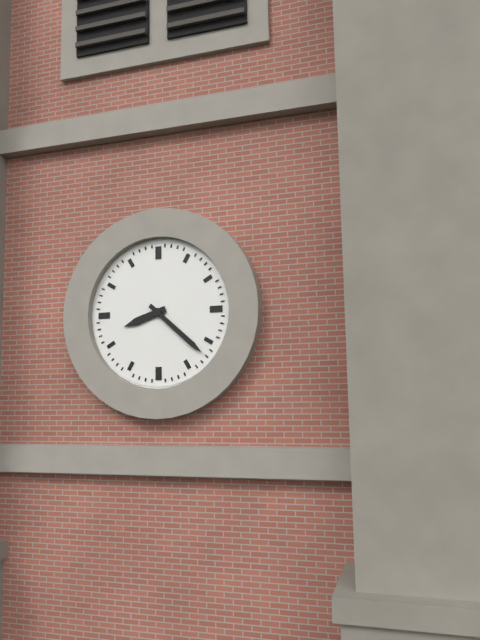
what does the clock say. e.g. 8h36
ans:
8h22
